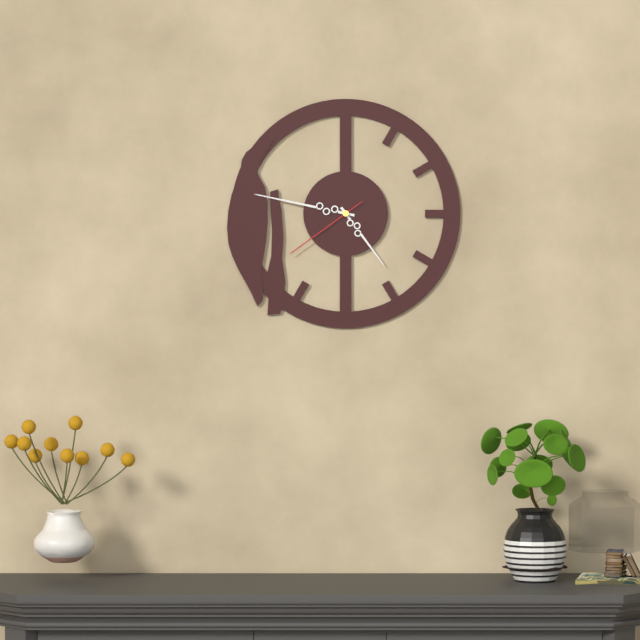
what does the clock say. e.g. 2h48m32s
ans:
4h47m39s
